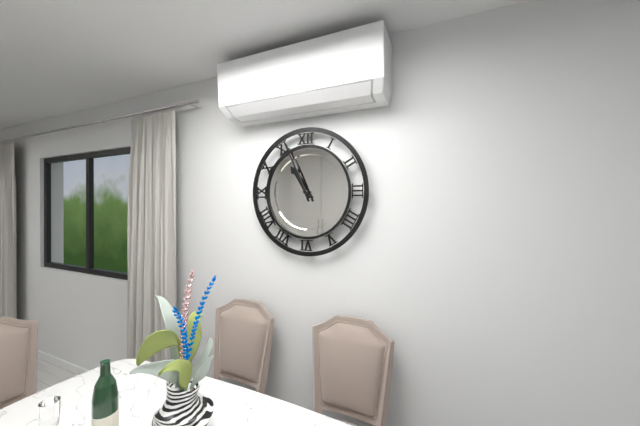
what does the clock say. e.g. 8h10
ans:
10h56
